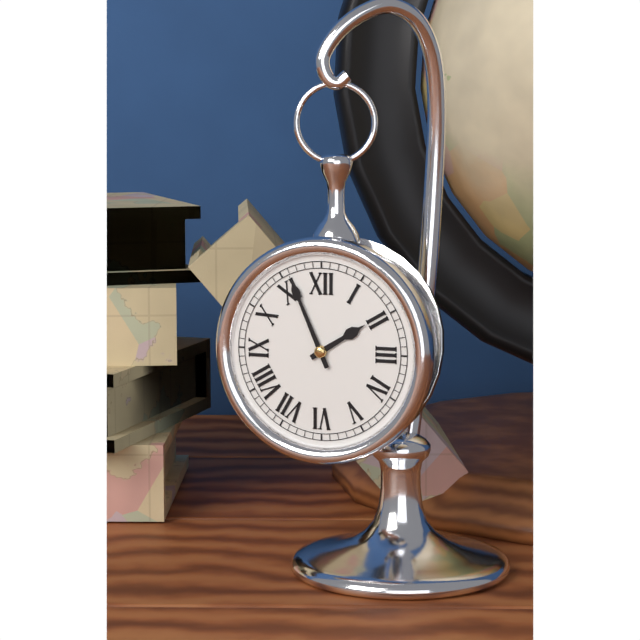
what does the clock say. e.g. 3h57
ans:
1h56
